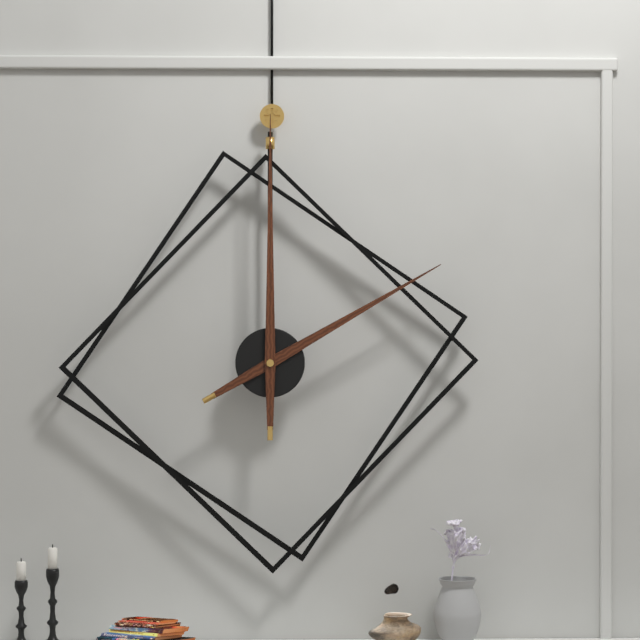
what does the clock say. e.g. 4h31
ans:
2h00
